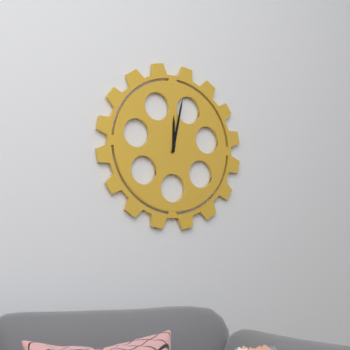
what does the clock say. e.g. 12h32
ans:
12h02
